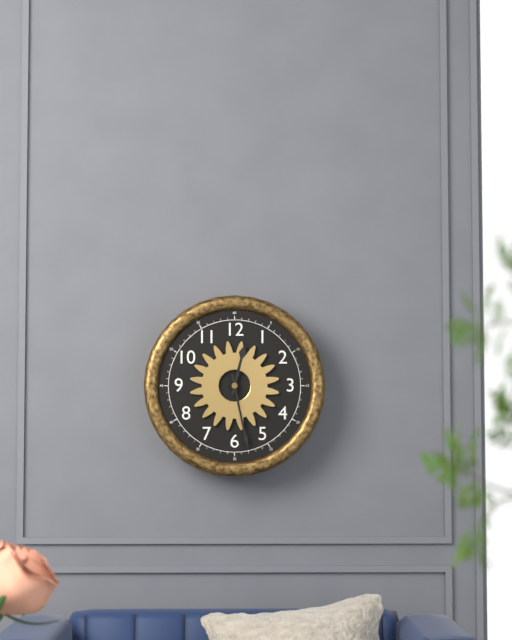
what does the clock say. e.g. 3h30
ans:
12h28
